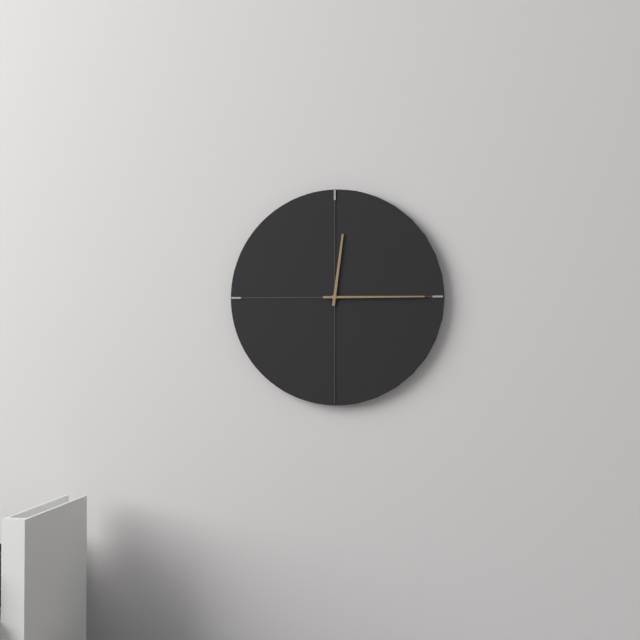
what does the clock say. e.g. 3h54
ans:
12h15
